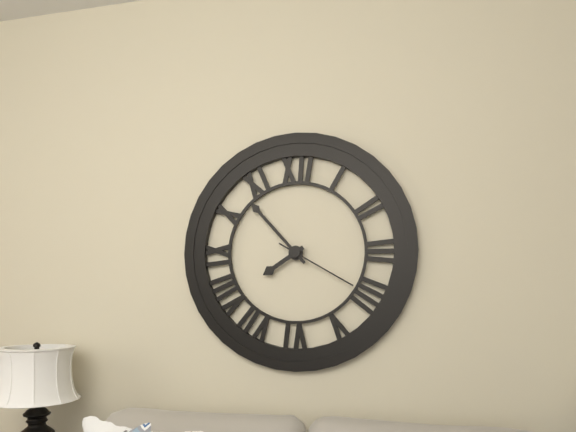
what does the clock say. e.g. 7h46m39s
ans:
7h53m20s
